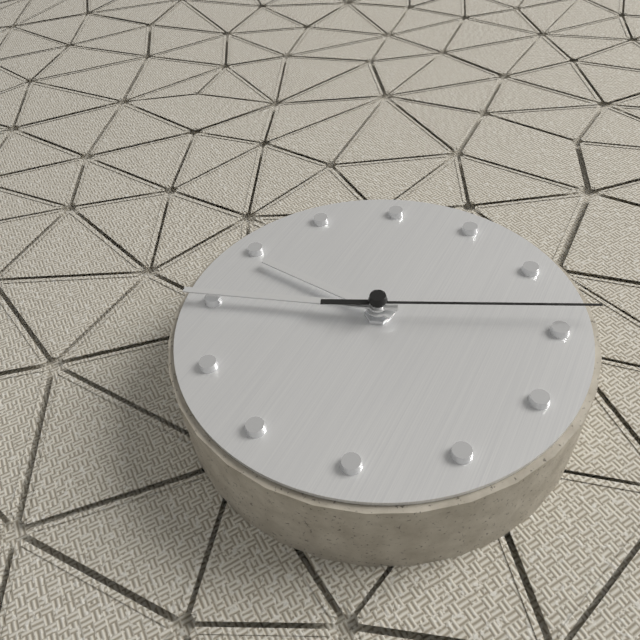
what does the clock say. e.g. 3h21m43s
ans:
10h50m19s
